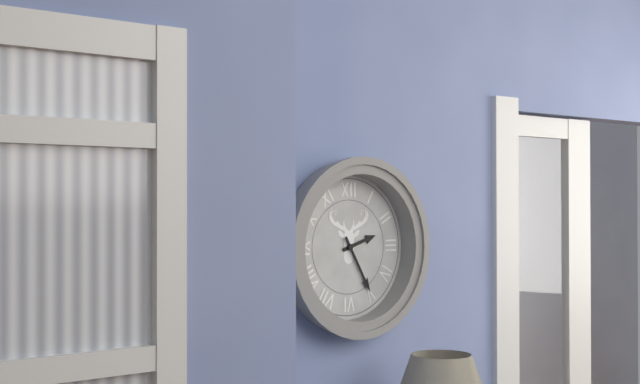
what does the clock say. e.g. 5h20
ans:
2h25
